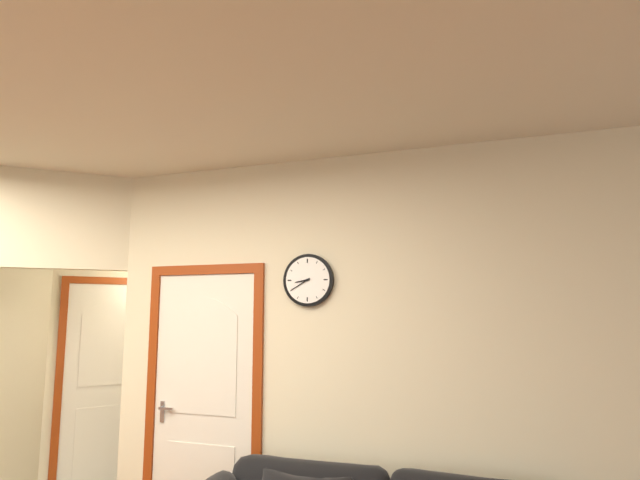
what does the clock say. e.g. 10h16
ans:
8h40
